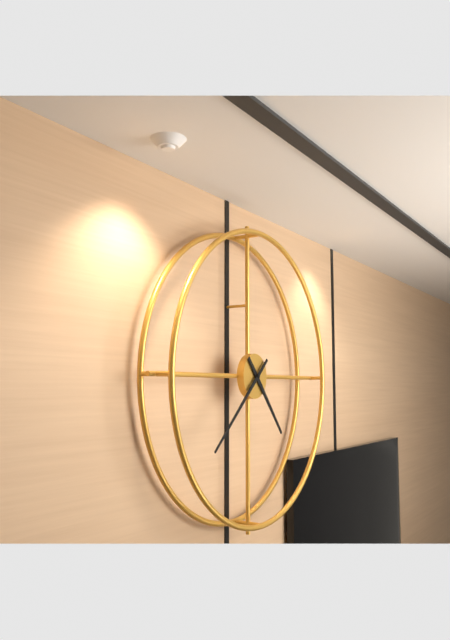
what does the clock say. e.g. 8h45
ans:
4h38
